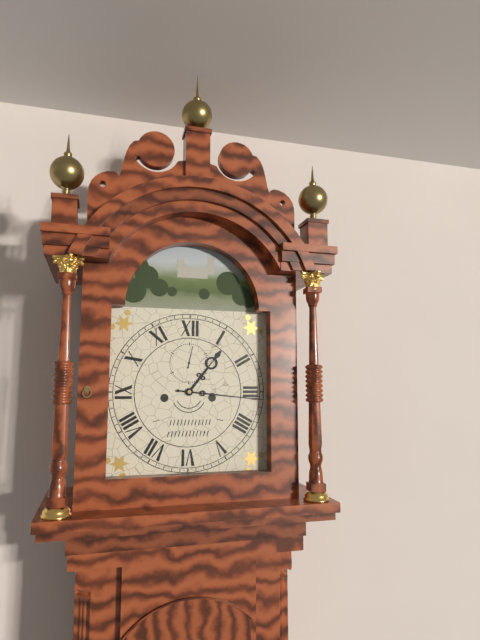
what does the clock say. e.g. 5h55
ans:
1h16
